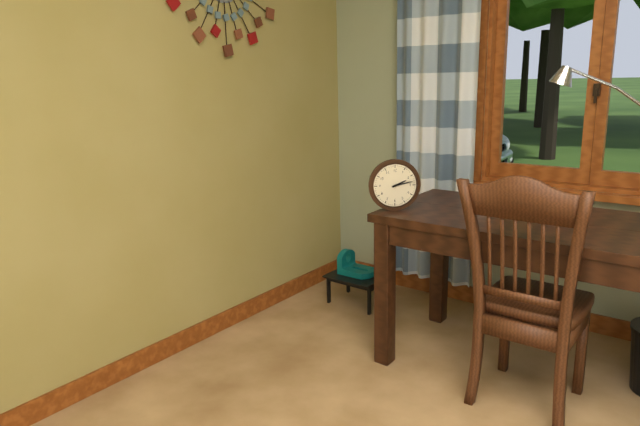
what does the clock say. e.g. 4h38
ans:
2h13
